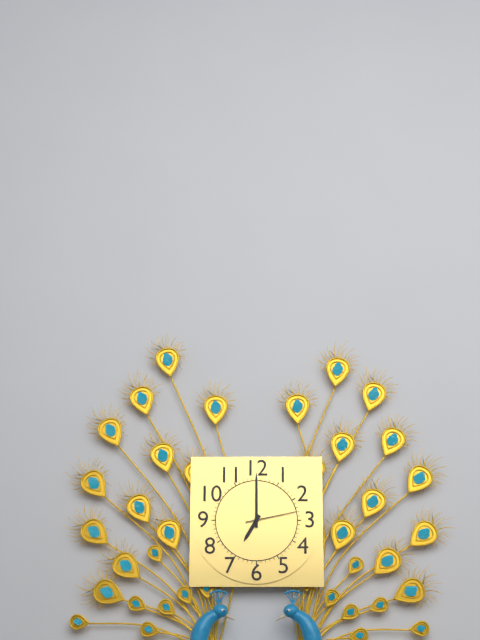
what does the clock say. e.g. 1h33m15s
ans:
7h00m13s
